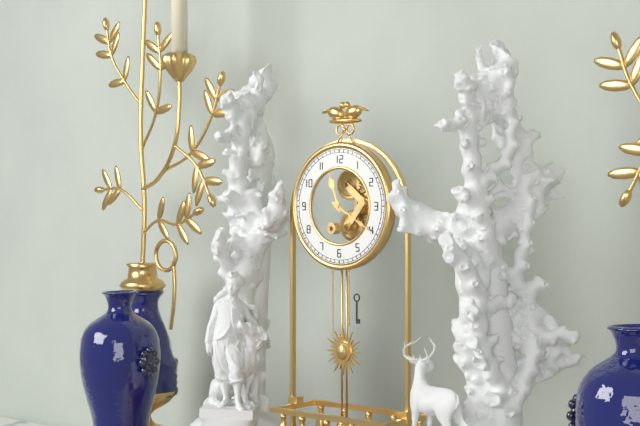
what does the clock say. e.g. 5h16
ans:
11h20
